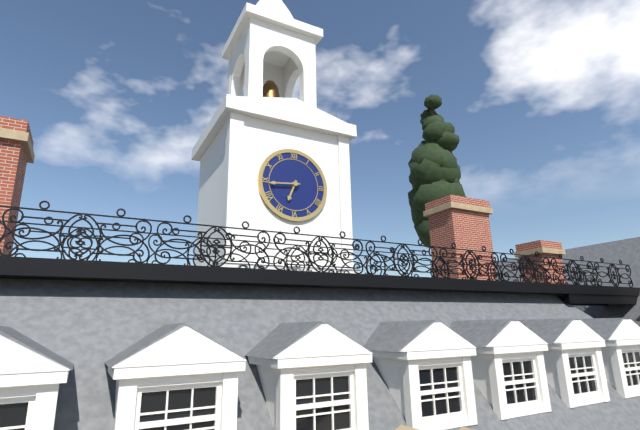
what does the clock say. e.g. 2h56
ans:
6h44
